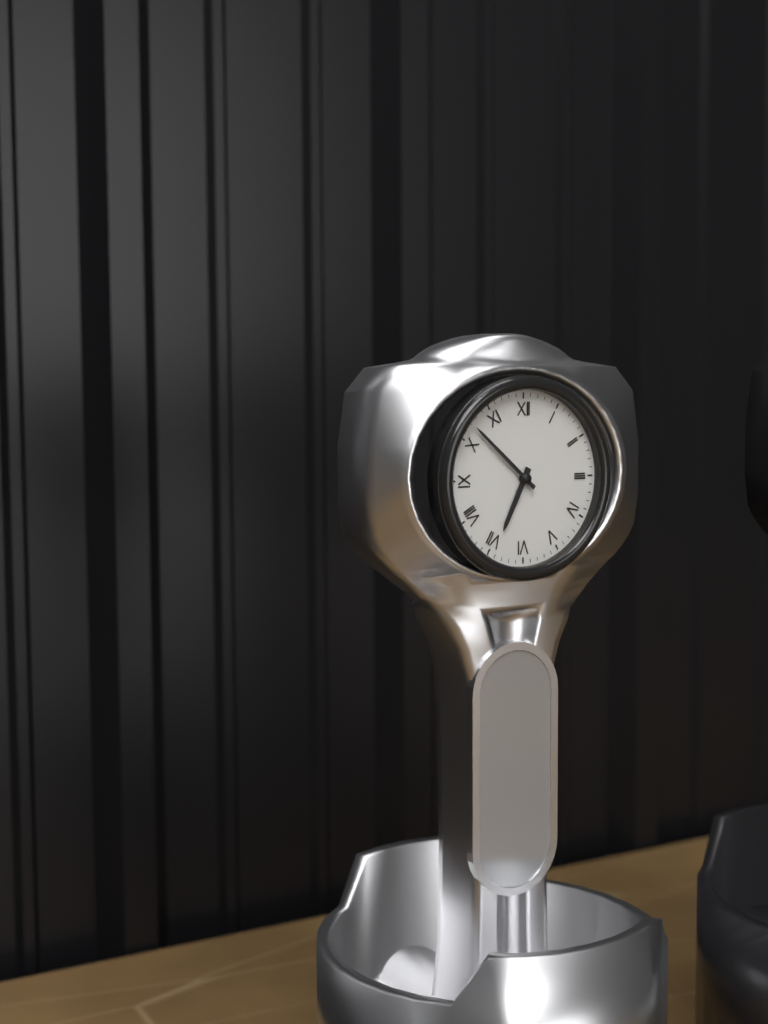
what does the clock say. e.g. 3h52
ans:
6h52
